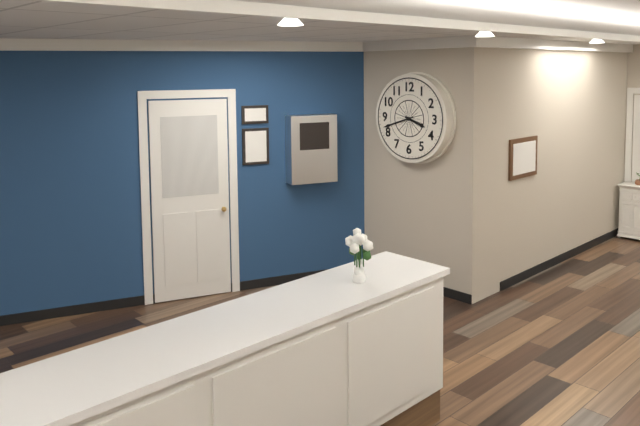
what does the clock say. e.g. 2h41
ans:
3h42
